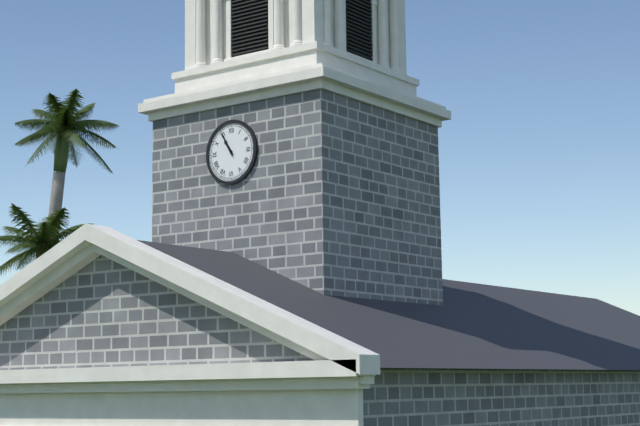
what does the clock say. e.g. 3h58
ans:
10h55
